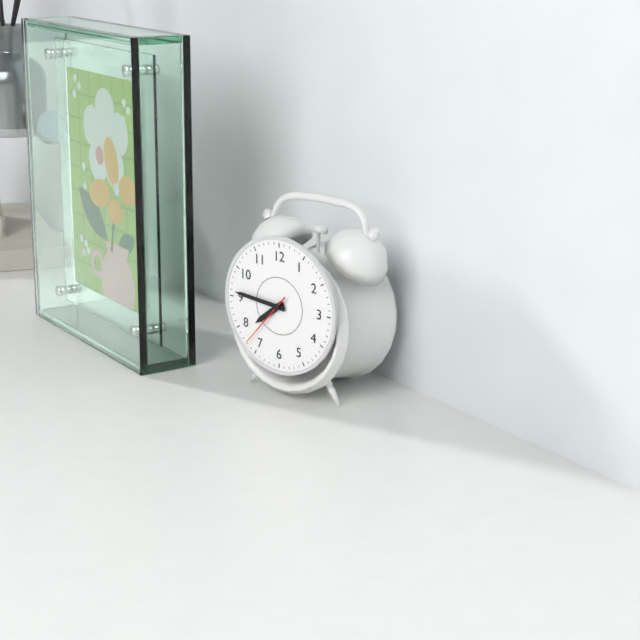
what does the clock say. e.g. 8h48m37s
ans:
7h46m37s
